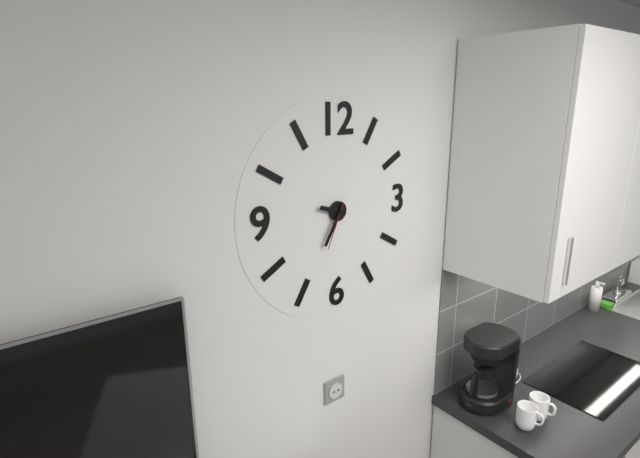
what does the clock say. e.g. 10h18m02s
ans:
9h35m34s
